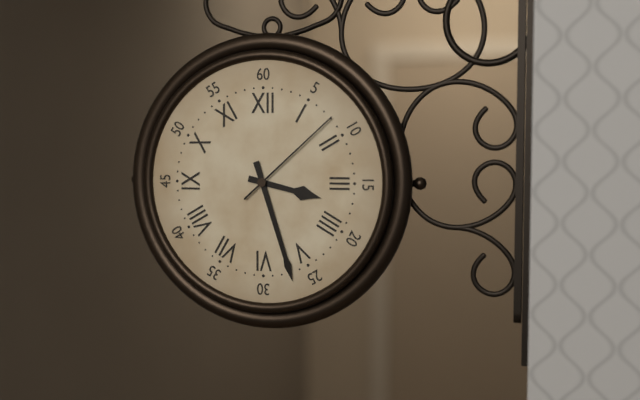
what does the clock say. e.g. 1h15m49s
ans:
3h27m08s
